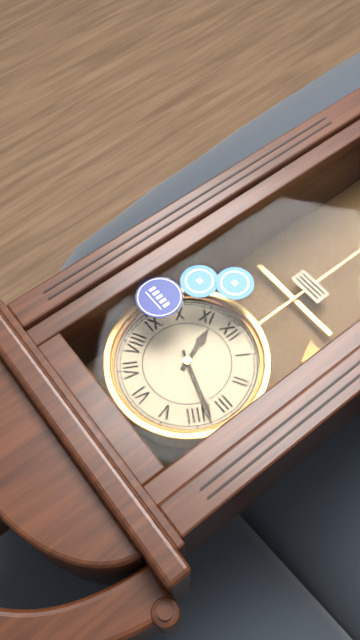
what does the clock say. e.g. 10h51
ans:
11h18
